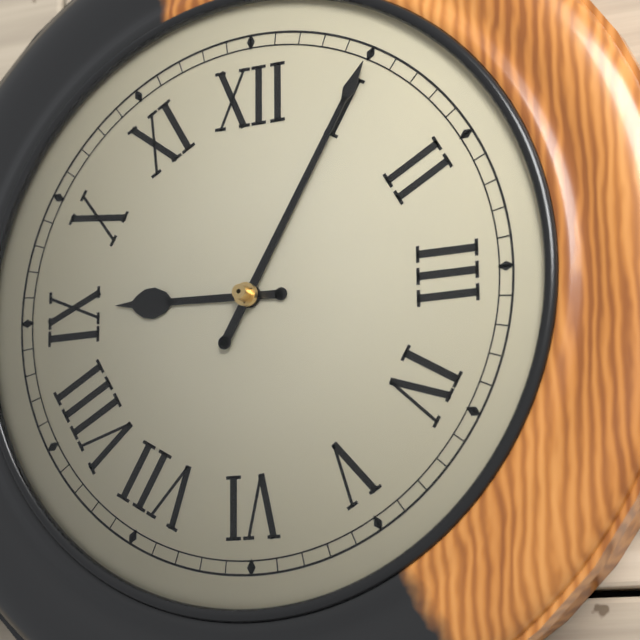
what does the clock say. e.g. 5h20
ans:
9h05
